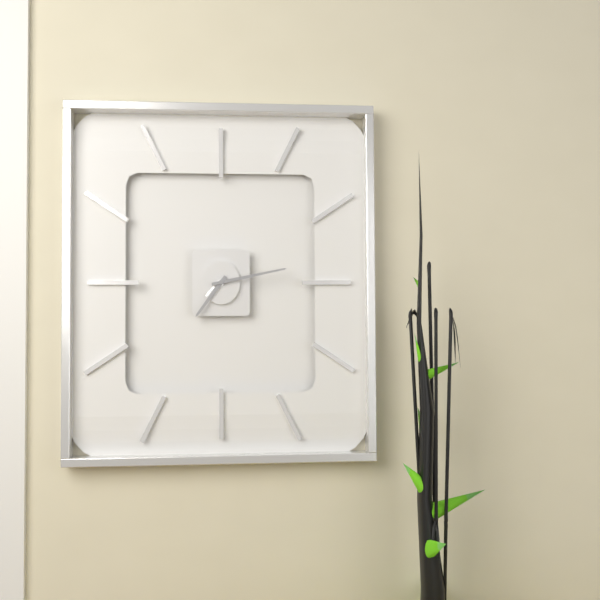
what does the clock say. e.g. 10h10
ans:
7h13
